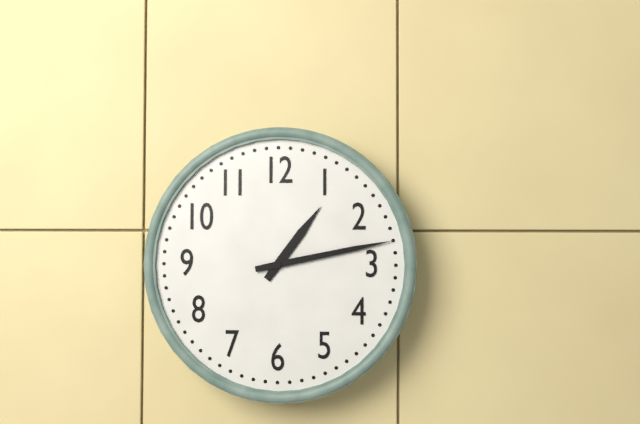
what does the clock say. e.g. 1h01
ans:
1h13
